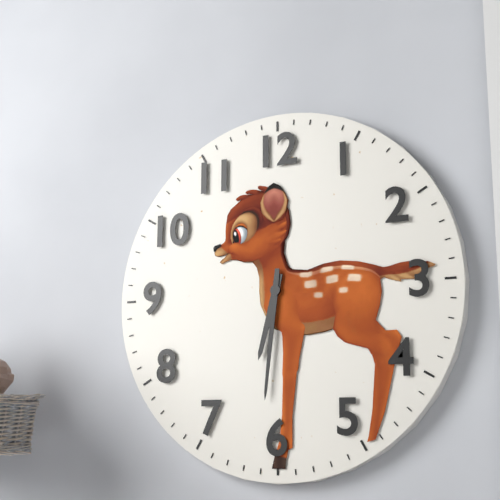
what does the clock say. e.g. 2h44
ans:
6h31
